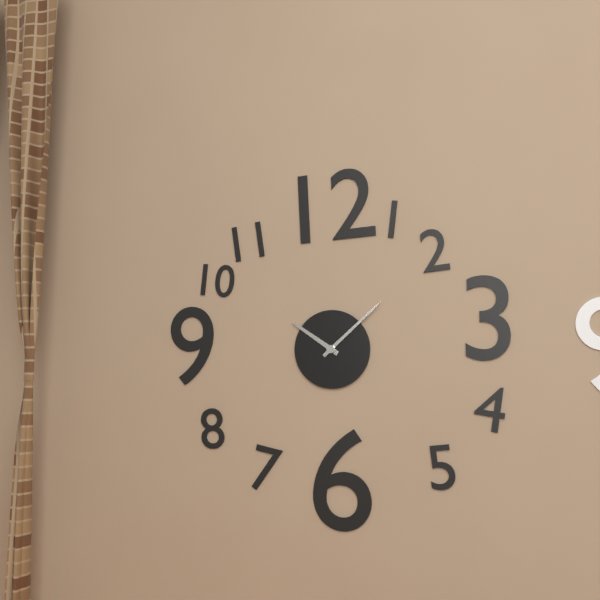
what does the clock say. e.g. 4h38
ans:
10h08
